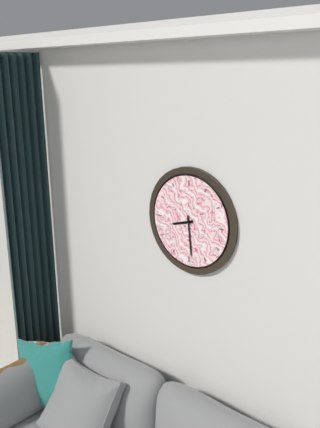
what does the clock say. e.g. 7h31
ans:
8h29
